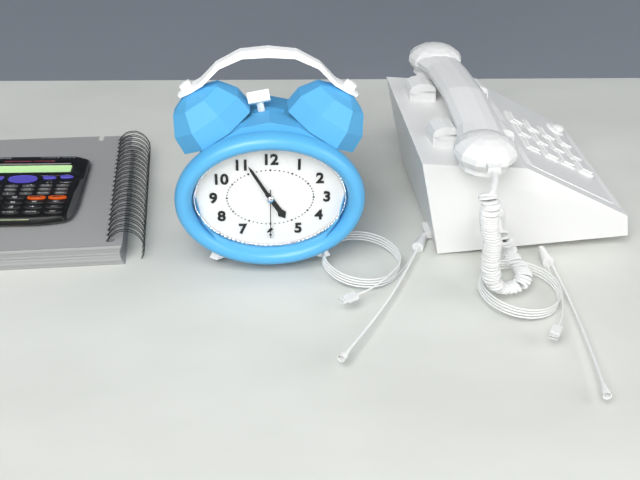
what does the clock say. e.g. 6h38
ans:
4h55
